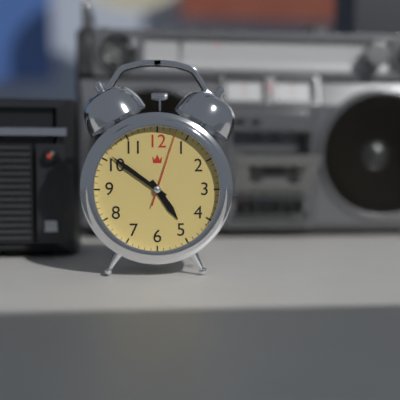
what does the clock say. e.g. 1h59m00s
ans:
4h51m03s
